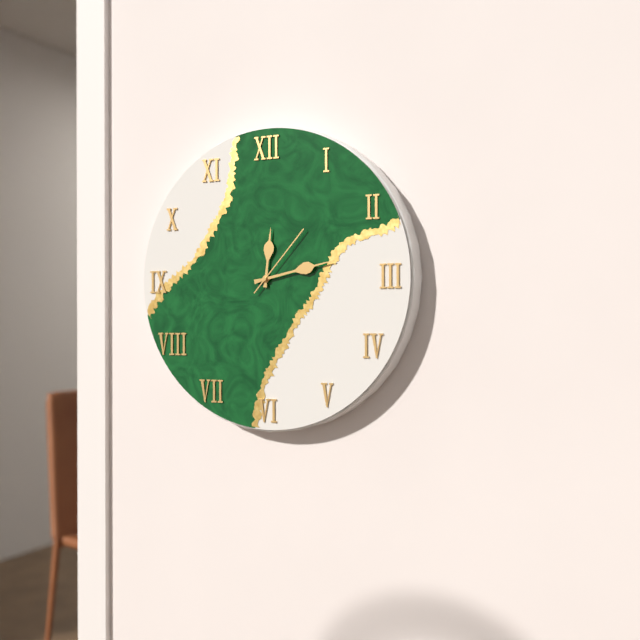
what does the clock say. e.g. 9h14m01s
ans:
12h13m07s
